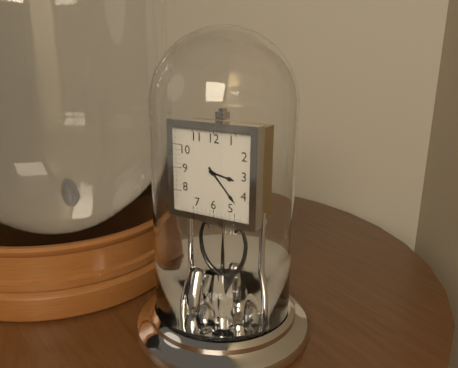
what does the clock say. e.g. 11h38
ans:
3h23
